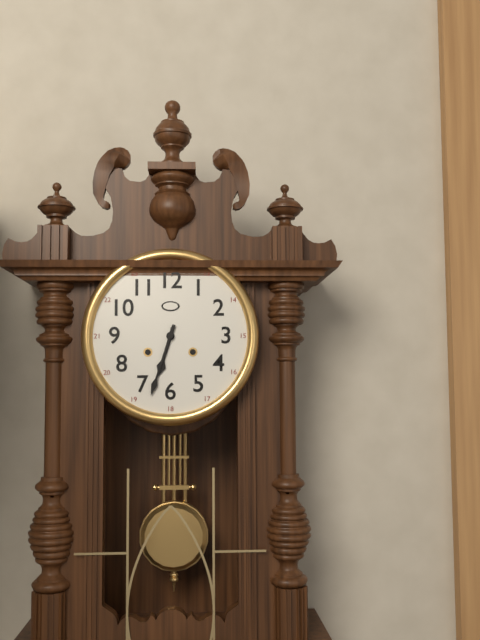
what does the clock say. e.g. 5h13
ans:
6h33
